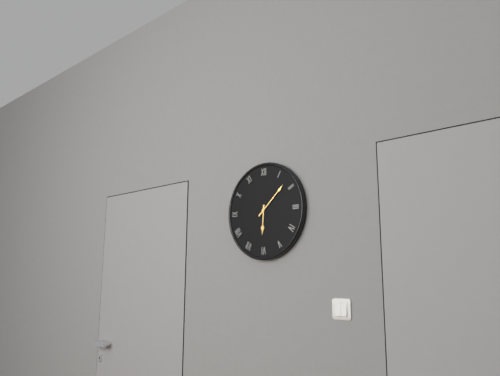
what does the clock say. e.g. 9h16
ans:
6h08
